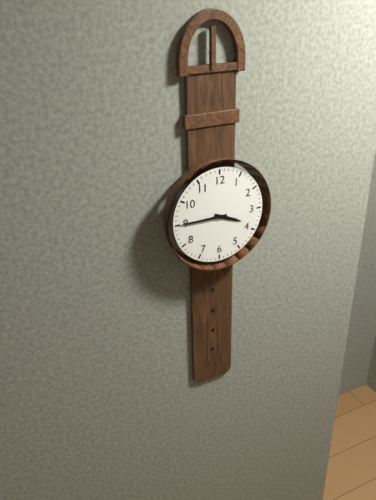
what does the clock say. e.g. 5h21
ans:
3h45
